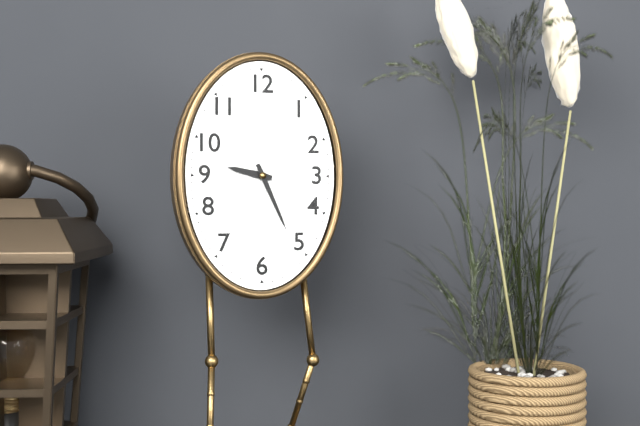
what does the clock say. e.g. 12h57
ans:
9h26
